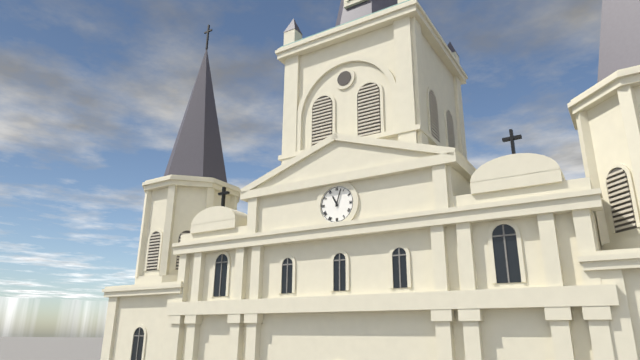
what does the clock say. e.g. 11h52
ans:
11h03
